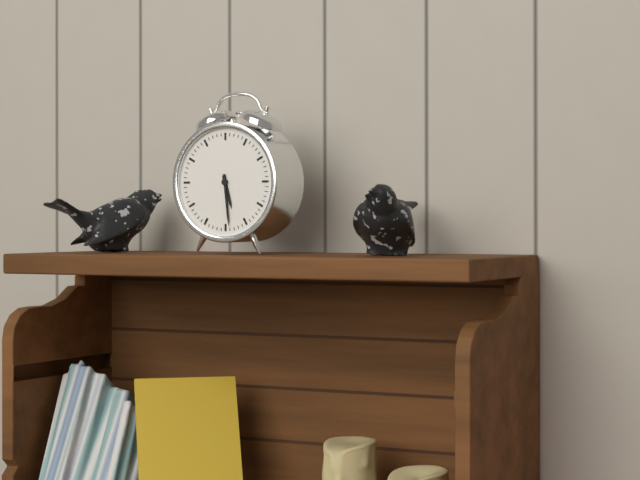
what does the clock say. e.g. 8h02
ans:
5h29
